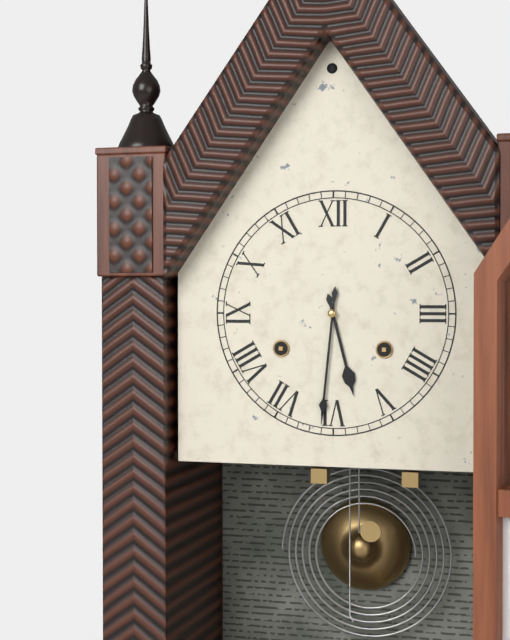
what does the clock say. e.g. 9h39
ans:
5h31
